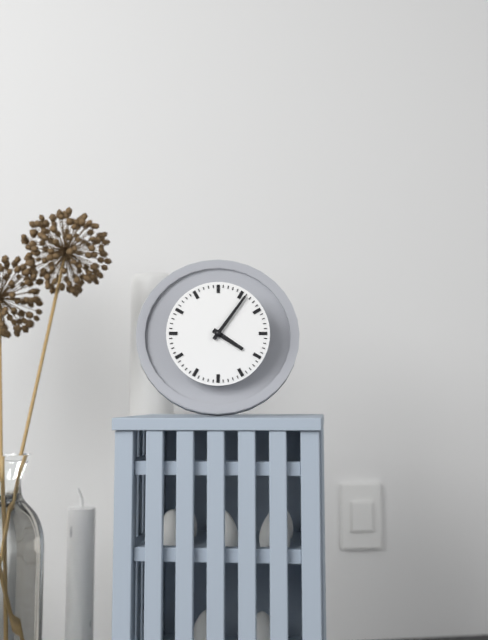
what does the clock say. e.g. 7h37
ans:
4h06
